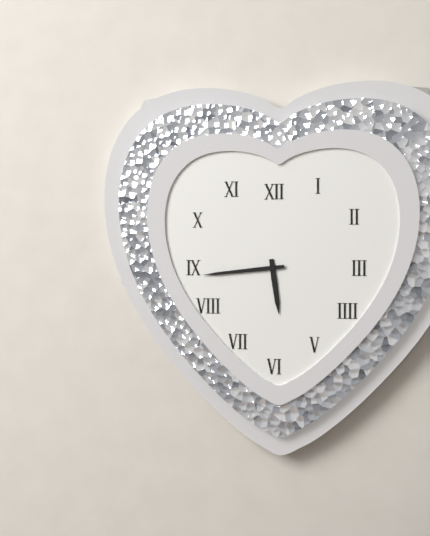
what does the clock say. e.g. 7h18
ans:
5h44
